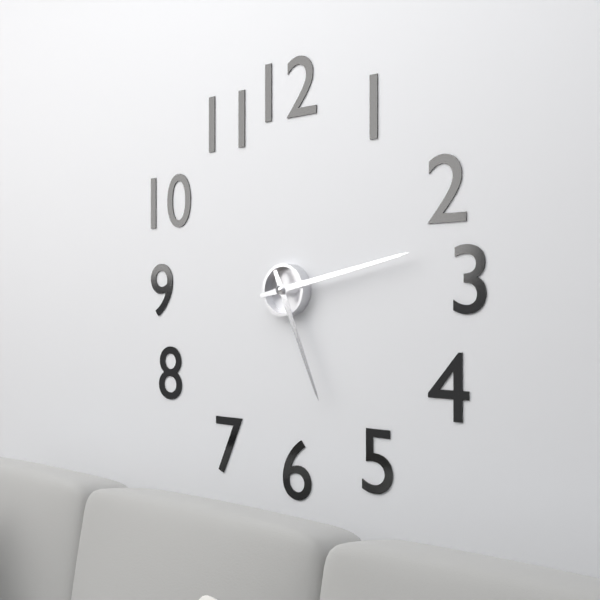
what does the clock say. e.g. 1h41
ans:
5h13
